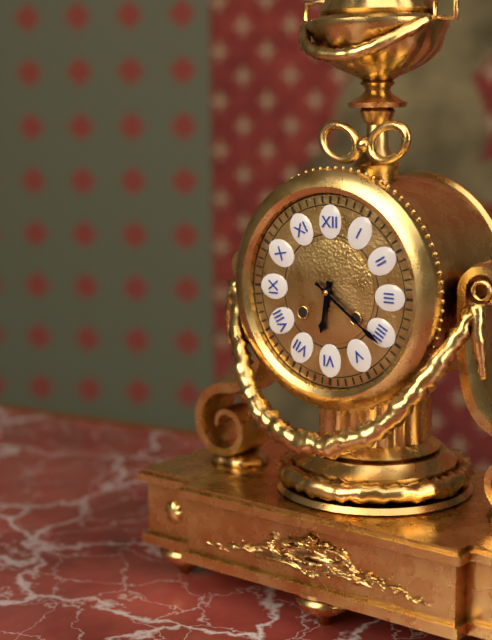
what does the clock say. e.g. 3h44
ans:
6h21
